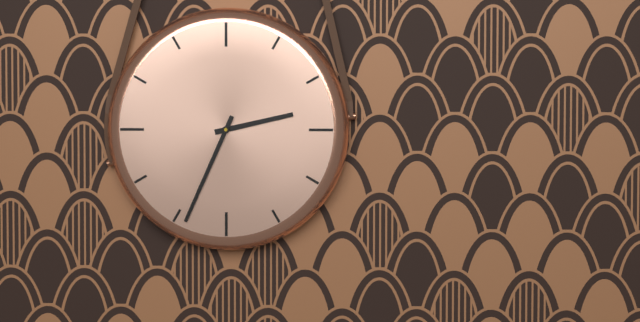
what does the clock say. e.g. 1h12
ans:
2h34
